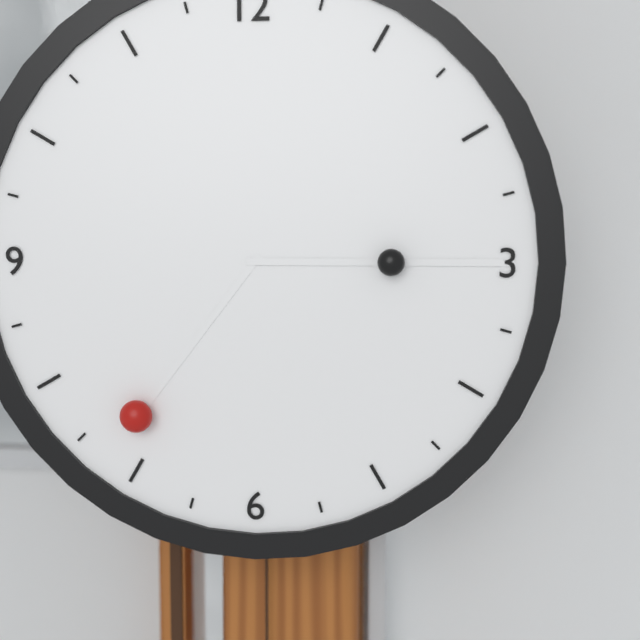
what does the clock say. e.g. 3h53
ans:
7h15
